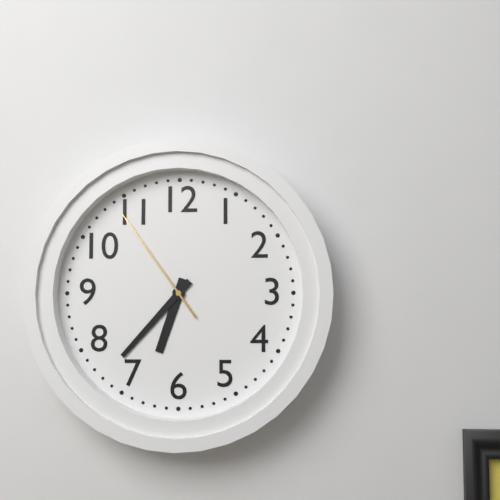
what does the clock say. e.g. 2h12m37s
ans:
6h37m54s
